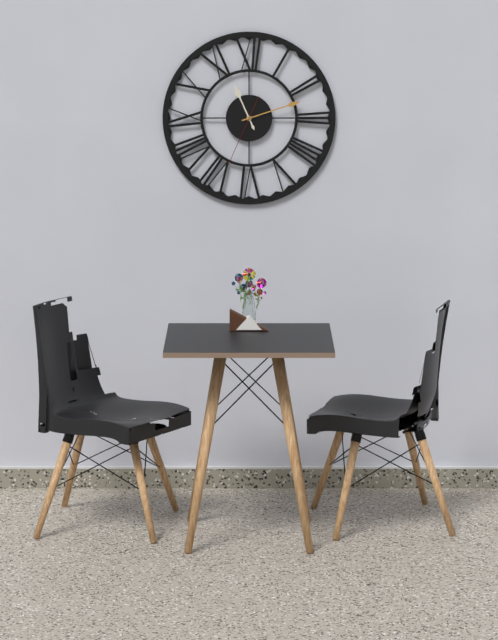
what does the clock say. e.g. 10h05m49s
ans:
11h12m34s
